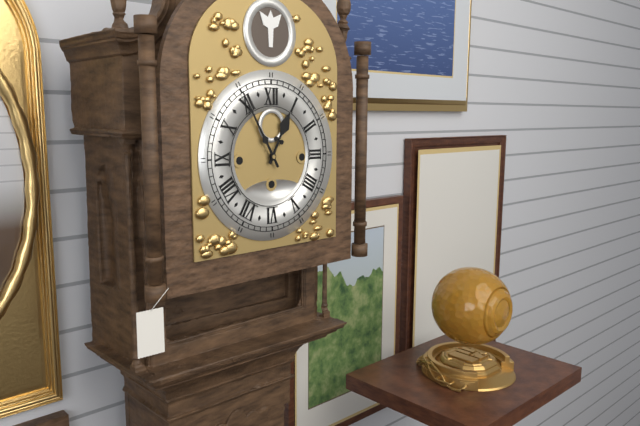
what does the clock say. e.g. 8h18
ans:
12h55
